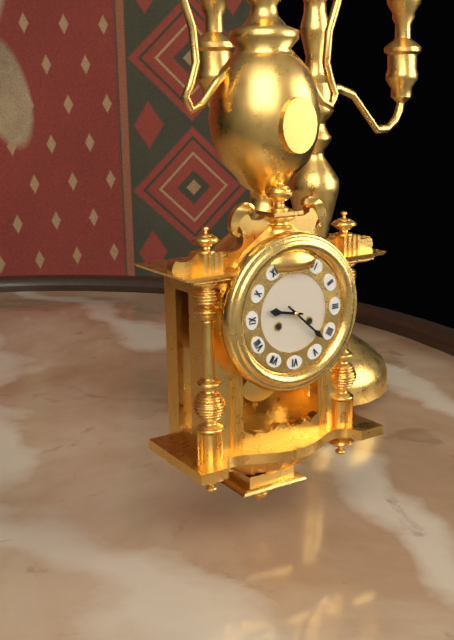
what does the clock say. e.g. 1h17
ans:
9h22
